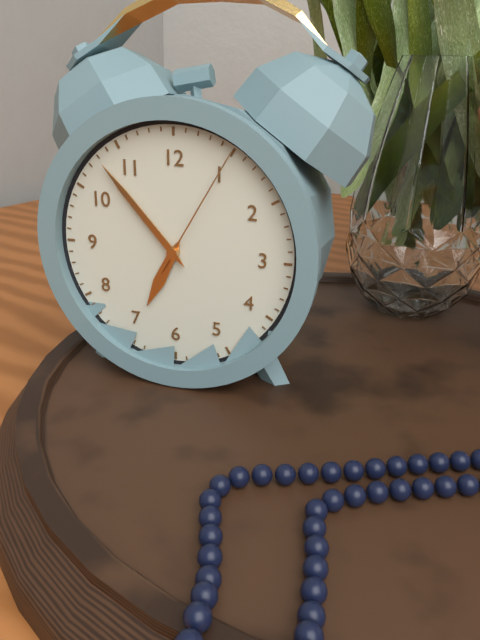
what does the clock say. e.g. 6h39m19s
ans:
6h53m05s
